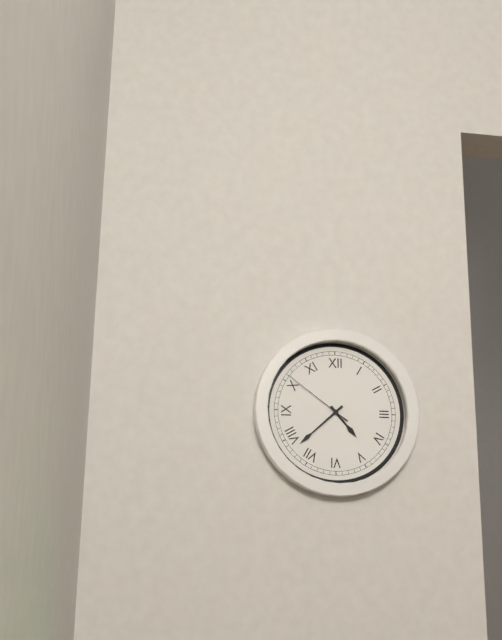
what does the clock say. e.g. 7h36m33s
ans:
4h38m51s
